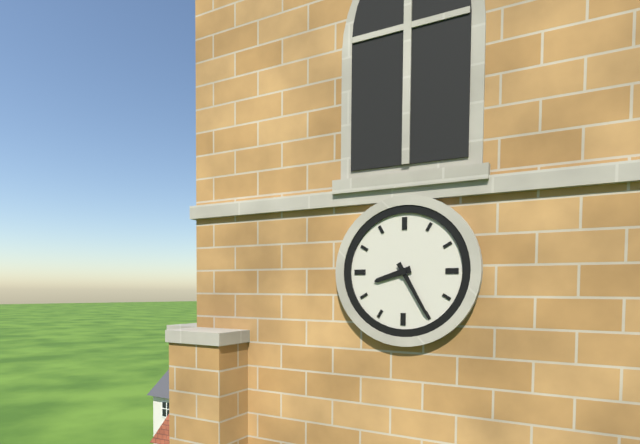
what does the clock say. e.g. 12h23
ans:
8h25
